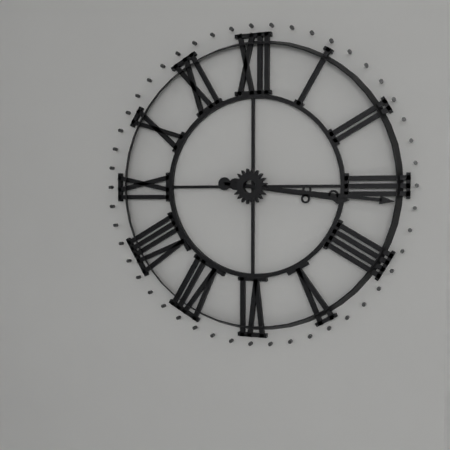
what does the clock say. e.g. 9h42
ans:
3h16
